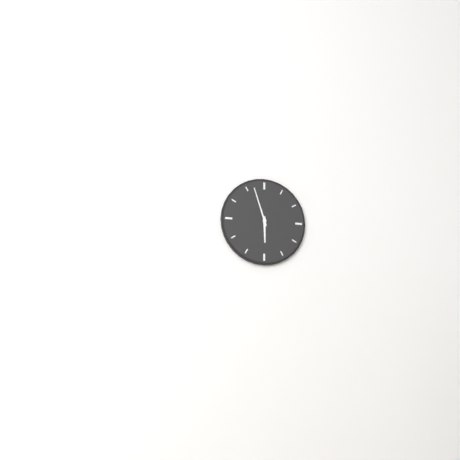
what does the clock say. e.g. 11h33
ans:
5h57
